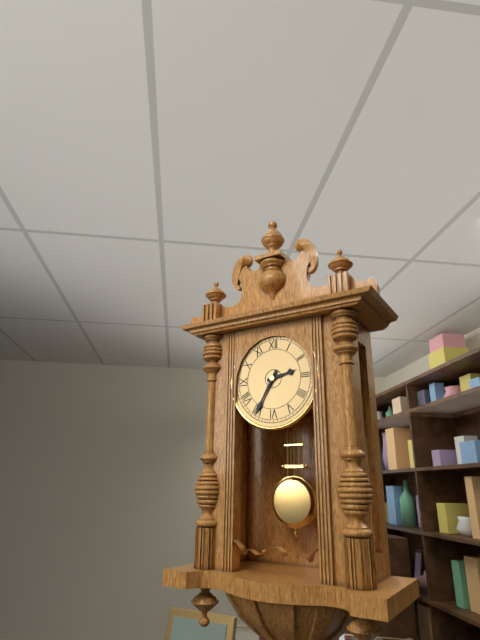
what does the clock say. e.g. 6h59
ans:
2h35
